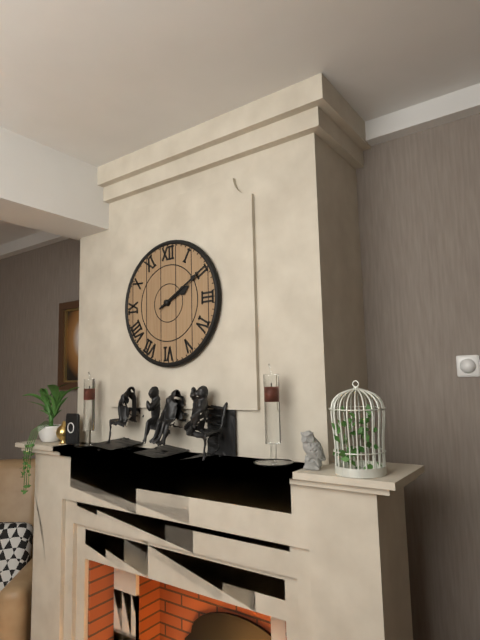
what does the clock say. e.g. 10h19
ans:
2h10
